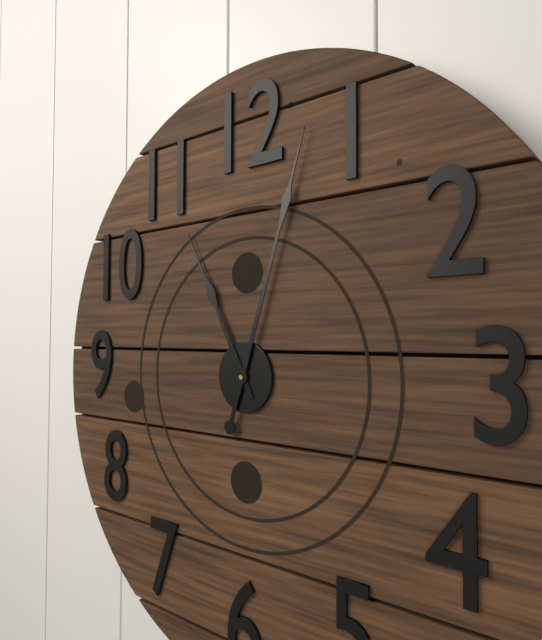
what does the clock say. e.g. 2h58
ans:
11h03
